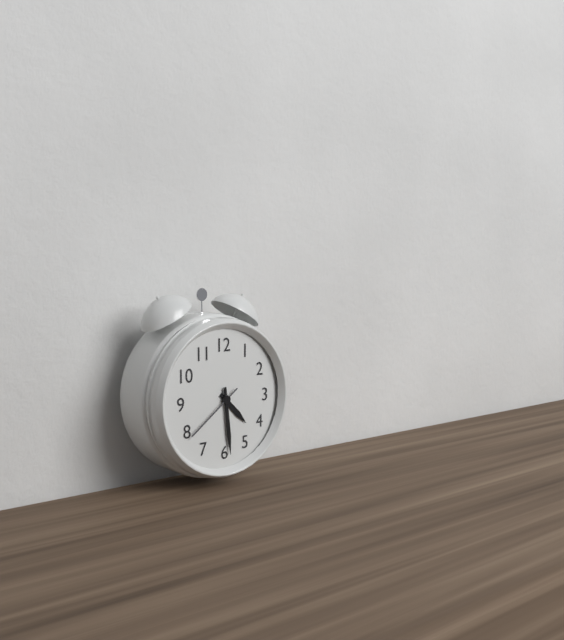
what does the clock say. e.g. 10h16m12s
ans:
4h29m39s
